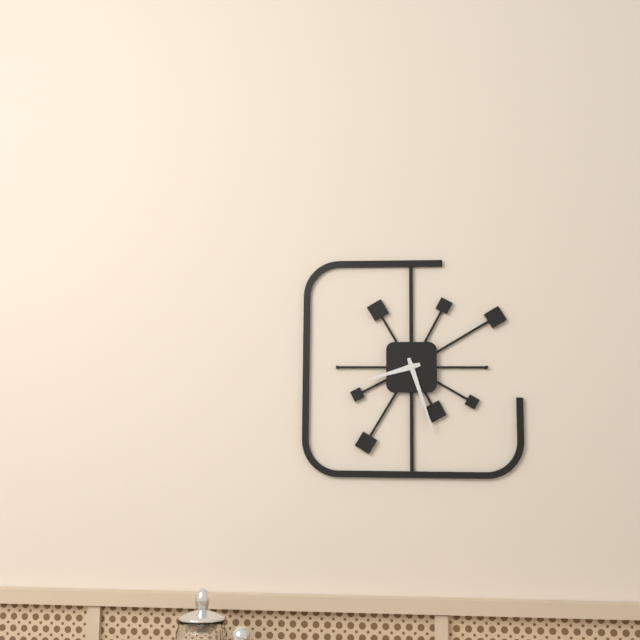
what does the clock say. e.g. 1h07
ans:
8h27
